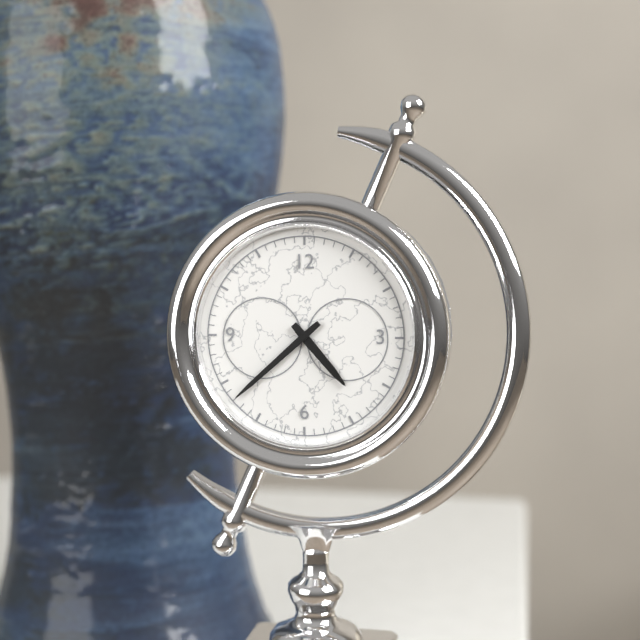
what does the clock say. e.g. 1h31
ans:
4h38
